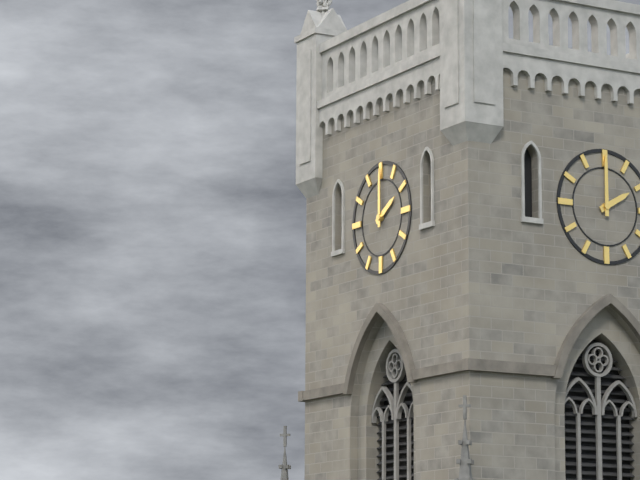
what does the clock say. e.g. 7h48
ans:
2h00
